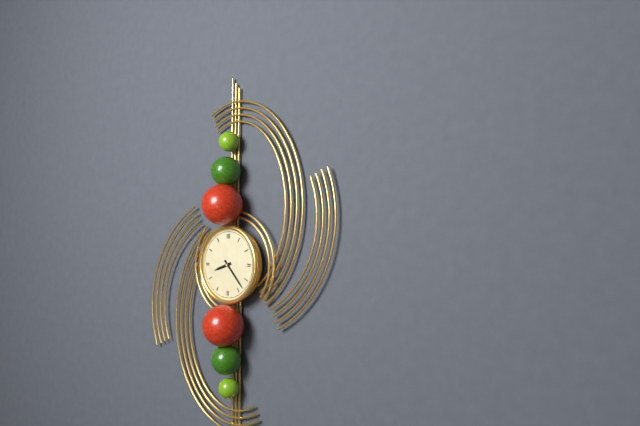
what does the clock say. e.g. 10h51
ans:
8h23
